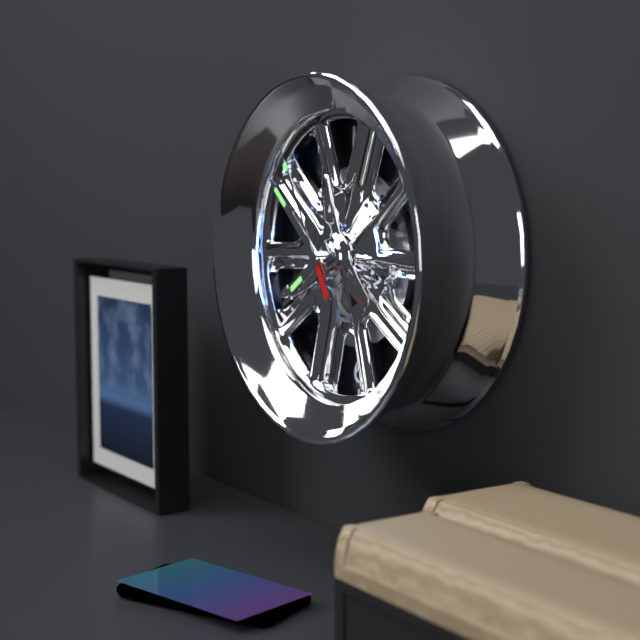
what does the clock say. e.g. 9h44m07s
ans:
7h52m55s
